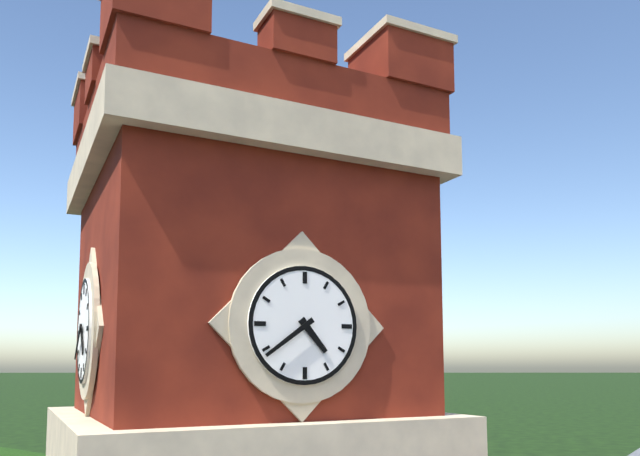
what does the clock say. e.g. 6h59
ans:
4h39
